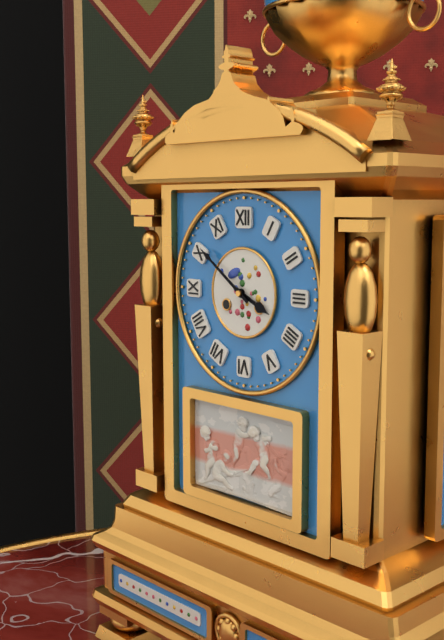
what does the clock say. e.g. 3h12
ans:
3h51
